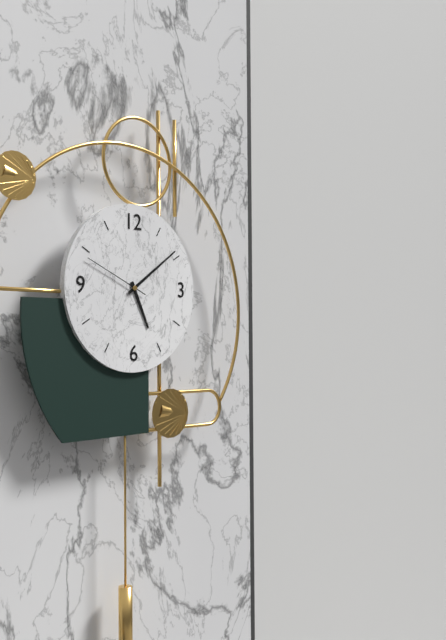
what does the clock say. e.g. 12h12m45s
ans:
5h09m49s
